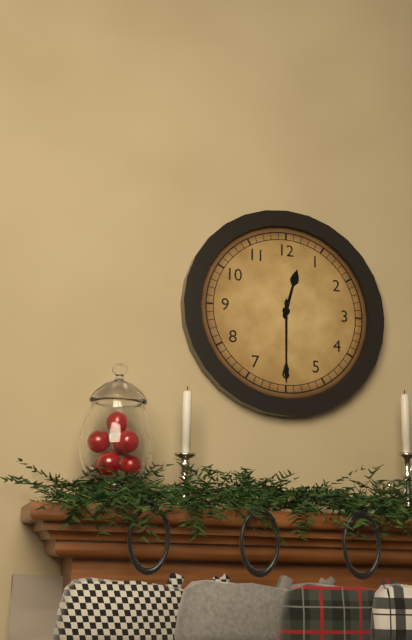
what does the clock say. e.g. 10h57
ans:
12h30
